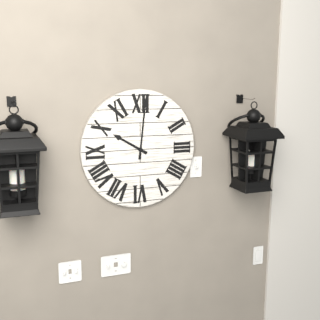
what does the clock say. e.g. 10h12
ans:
10h01
